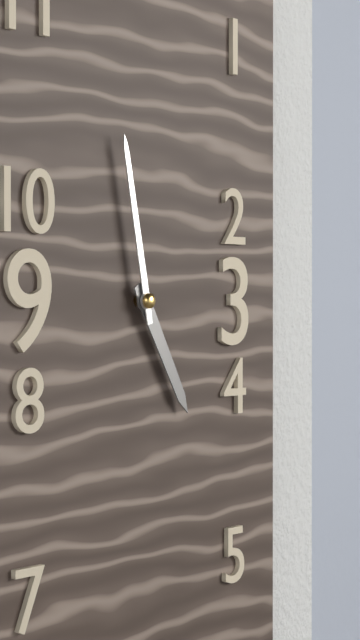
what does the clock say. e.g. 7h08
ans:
4h58
